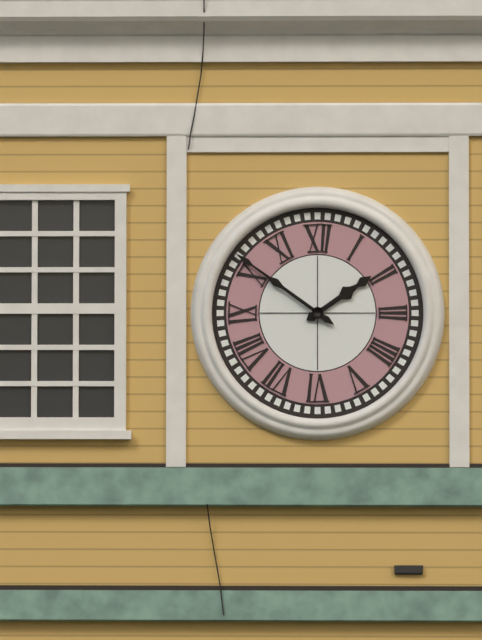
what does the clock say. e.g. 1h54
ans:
1h51
